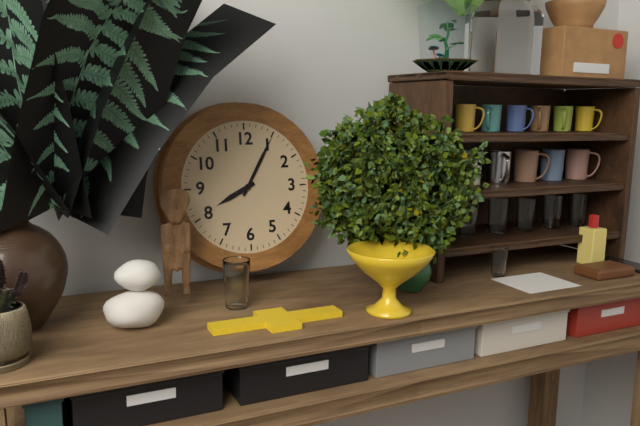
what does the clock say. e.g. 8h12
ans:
8h05
